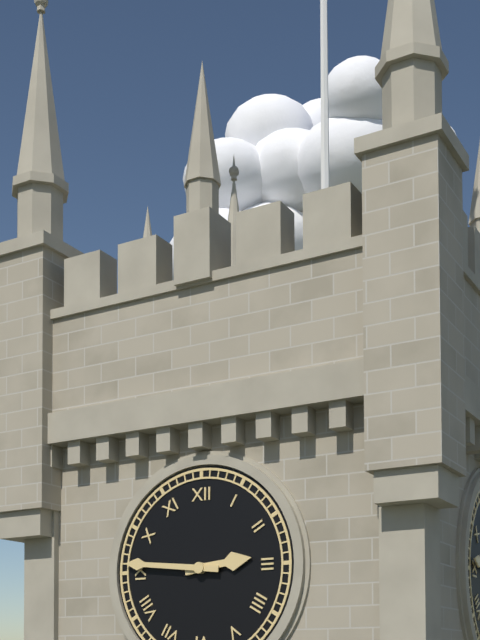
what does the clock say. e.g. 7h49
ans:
2h46
